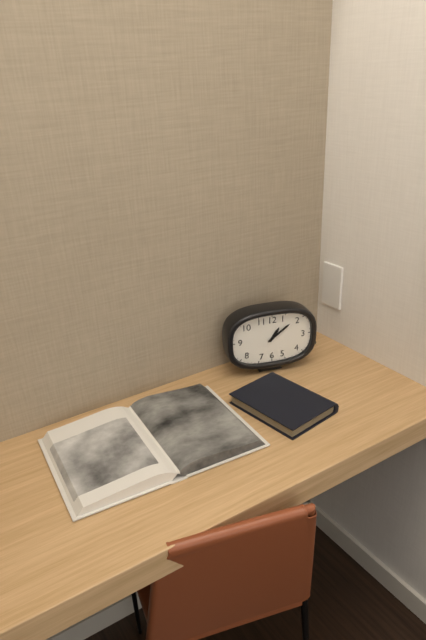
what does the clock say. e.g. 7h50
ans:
1h09
